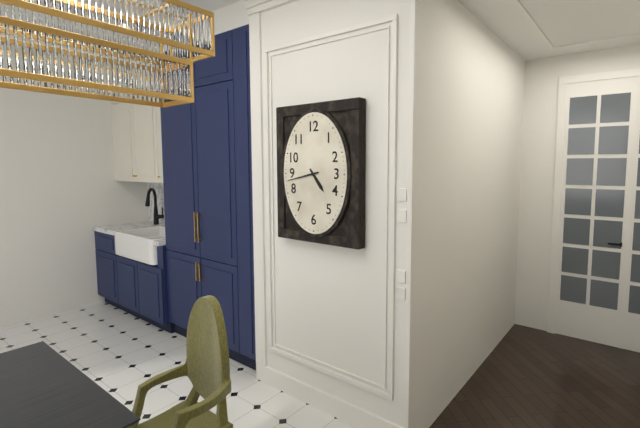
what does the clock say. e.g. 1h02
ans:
4h43
